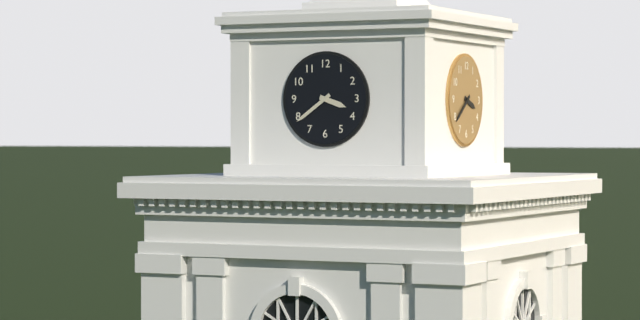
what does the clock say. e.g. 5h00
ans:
3h39
